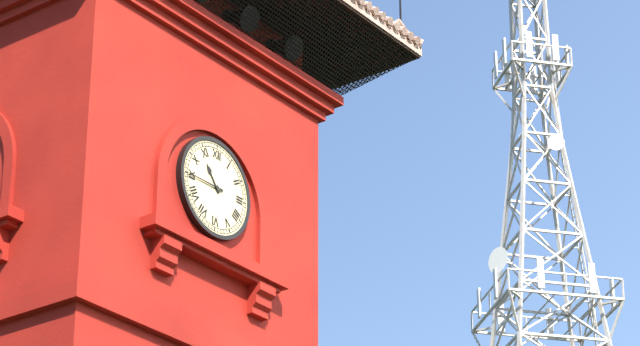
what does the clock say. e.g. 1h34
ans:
10h45
